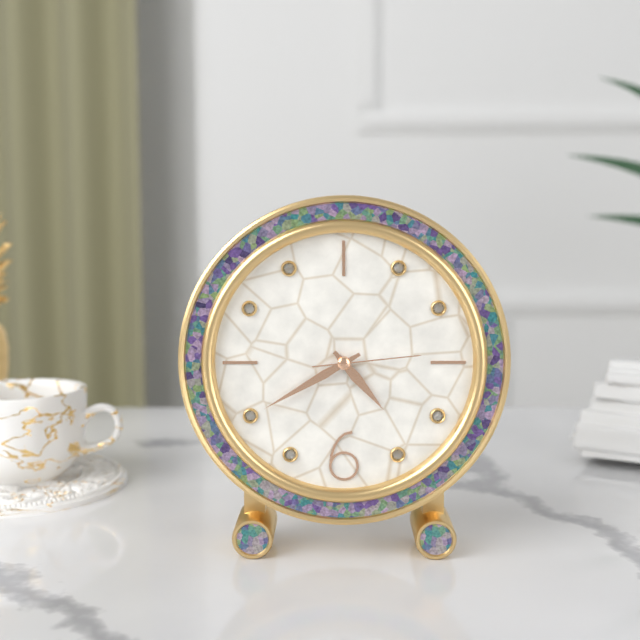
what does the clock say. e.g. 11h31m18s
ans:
4h40m14s
